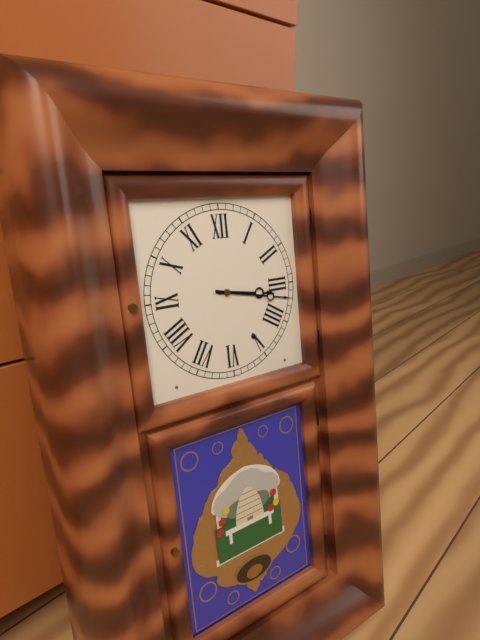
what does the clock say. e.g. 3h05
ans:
3h17
